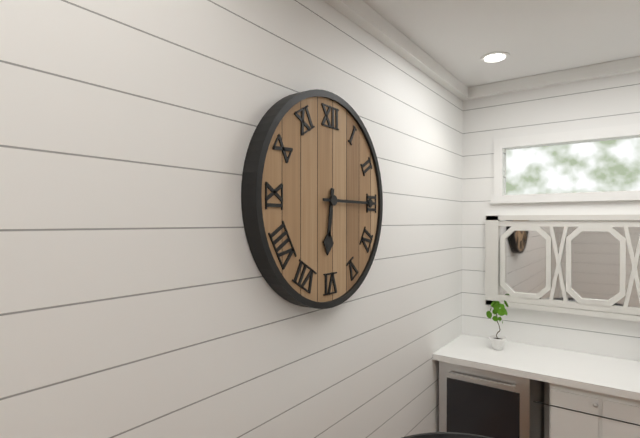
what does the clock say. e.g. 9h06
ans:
6h15
